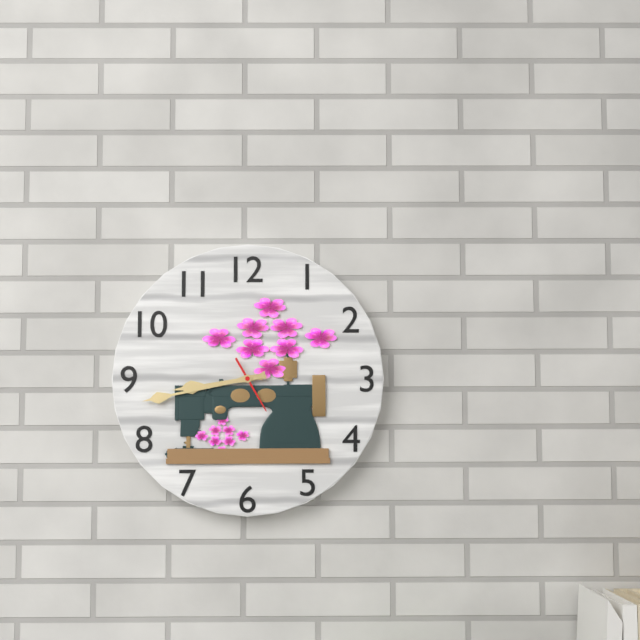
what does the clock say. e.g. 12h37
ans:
8h43
